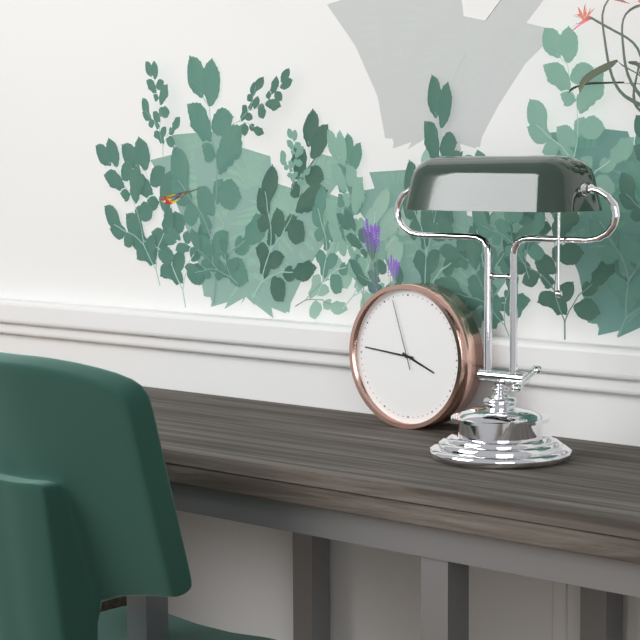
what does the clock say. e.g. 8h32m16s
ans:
3h46m57s
